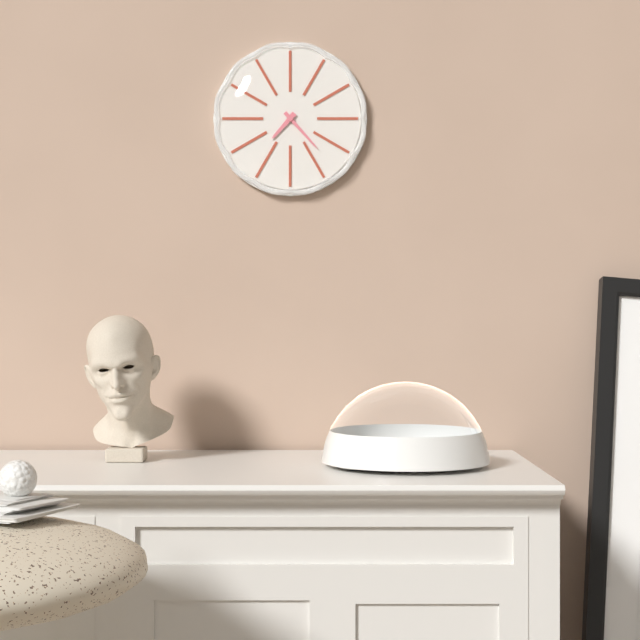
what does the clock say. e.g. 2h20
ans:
7h23
